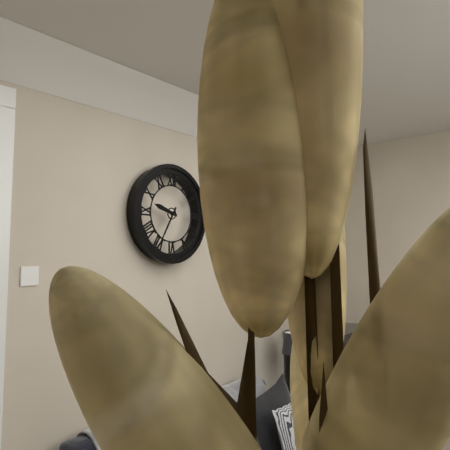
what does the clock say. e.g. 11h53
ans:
9h35
